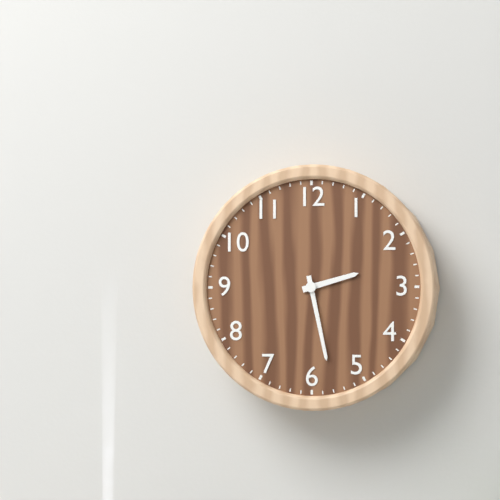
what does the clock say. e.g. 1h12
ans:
2h28
